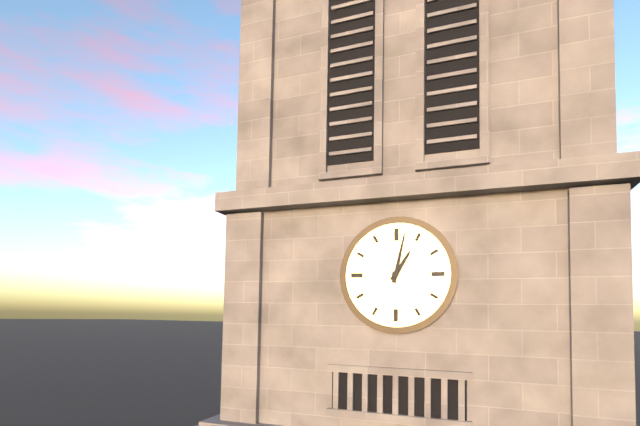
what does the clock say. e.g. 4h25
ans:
1h02
